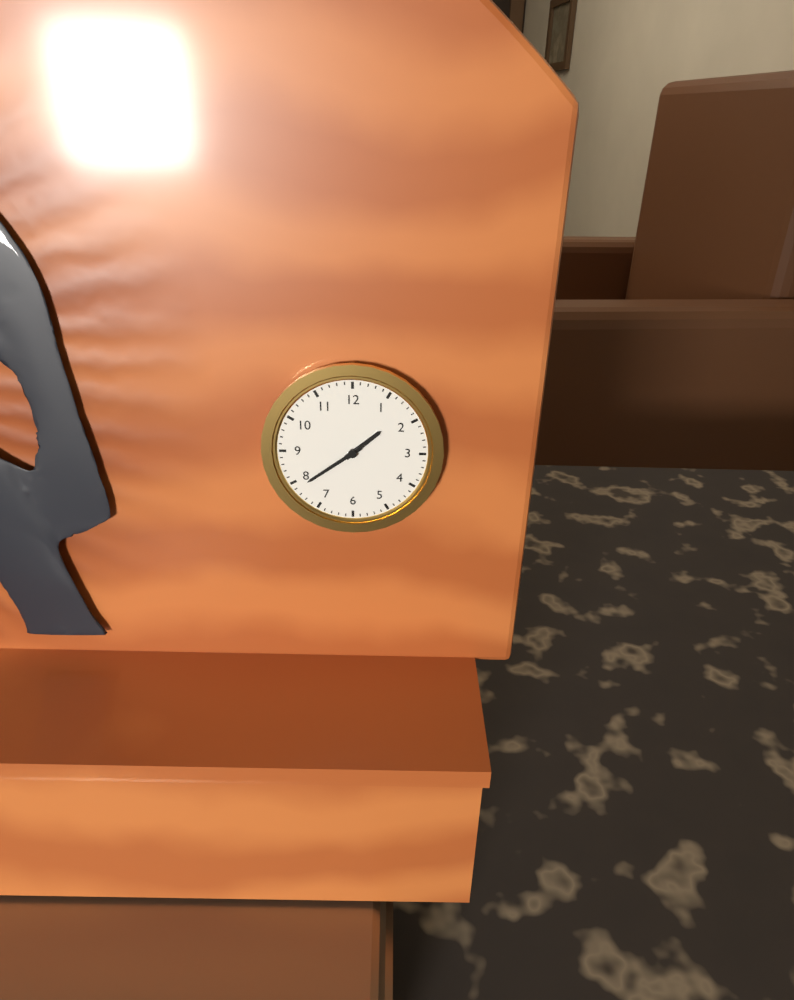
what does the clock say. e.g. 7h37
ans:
1h39
